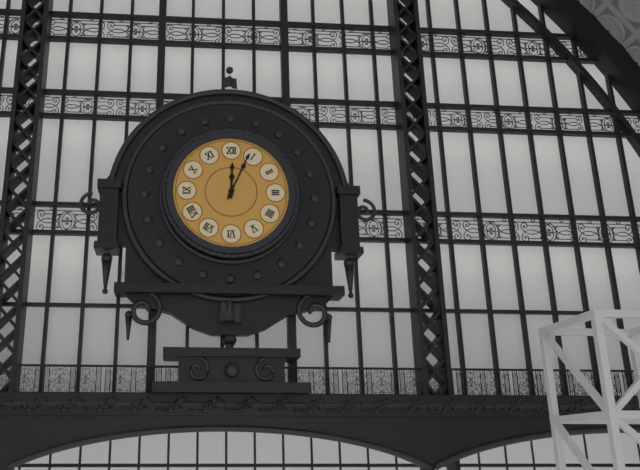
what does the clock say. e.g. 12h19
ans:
12h04
